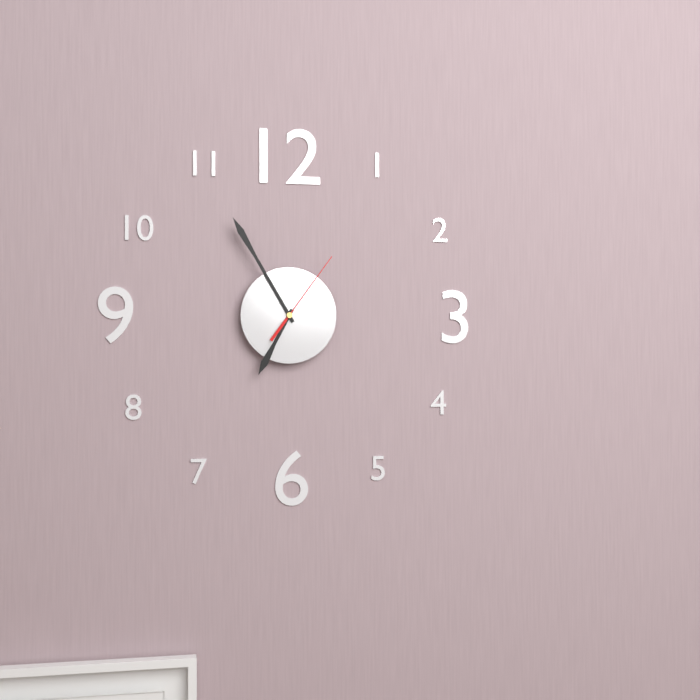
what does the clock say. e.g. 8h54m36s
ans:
6h55m06s
